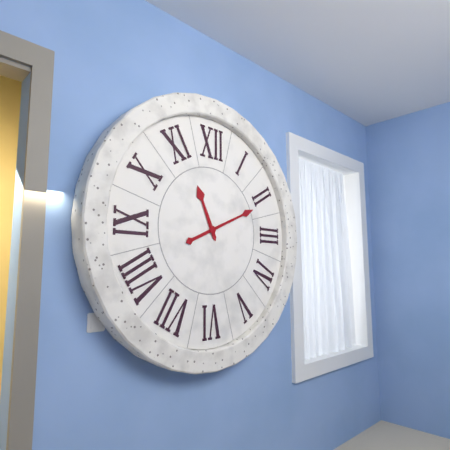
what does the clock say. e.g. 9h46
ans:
11h11
